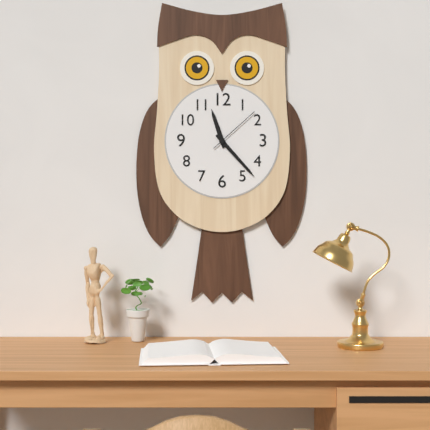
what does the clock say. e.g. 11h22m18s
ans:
11h23m08s
